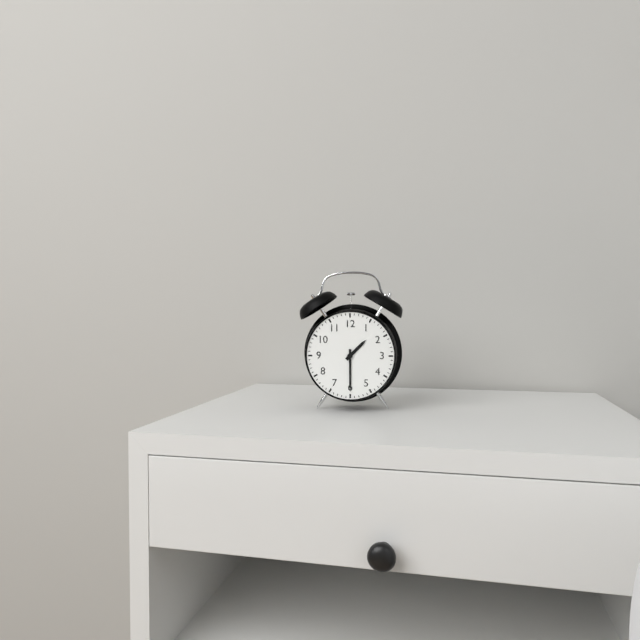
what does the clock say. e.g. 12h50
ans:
1h30
